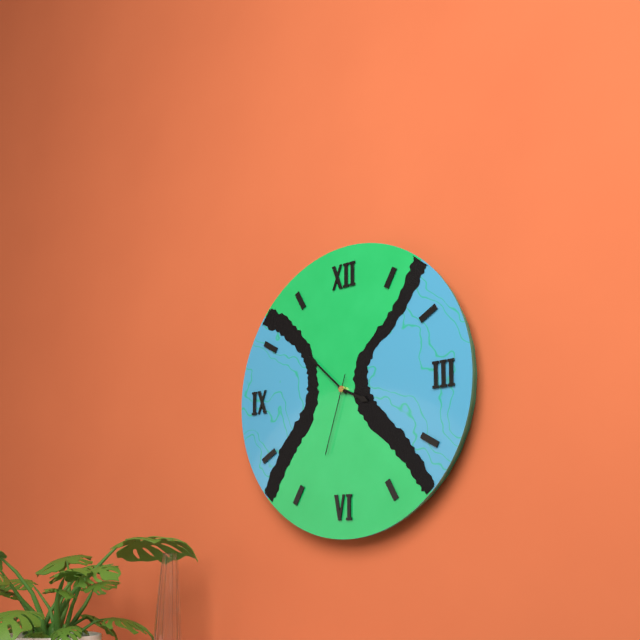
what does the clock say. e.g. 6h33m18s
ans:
3h52m33s
